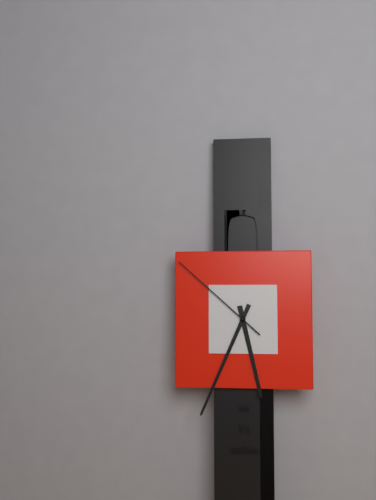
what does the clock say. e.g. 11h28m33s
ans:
5h34m52s
